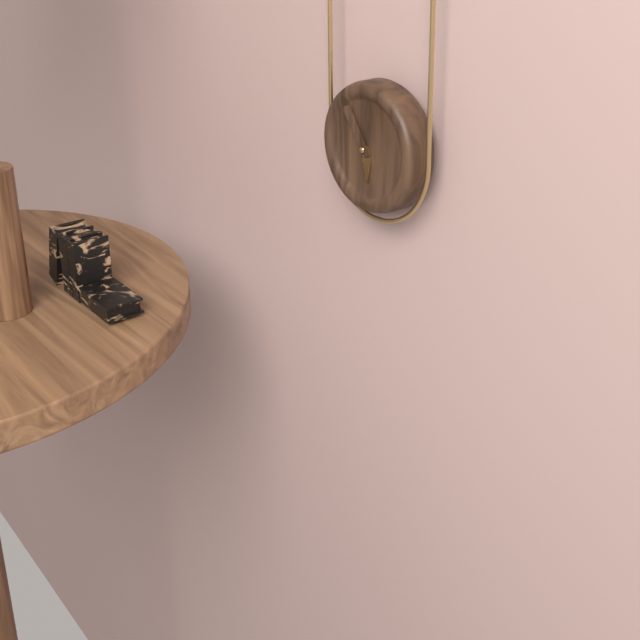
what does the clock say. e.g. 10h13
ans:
5h54
